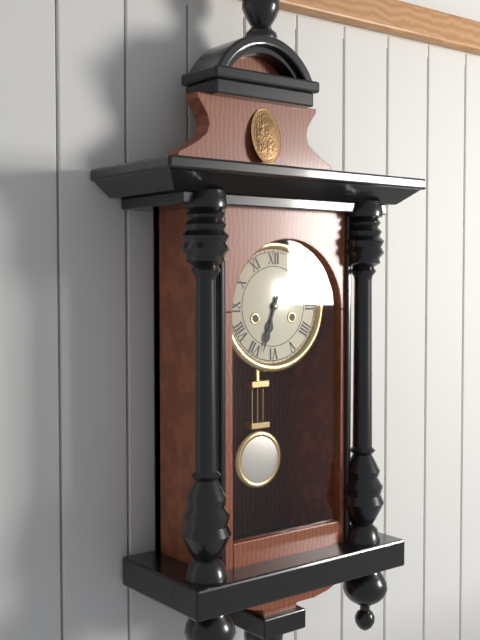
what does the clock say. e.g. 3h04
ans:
6h33
